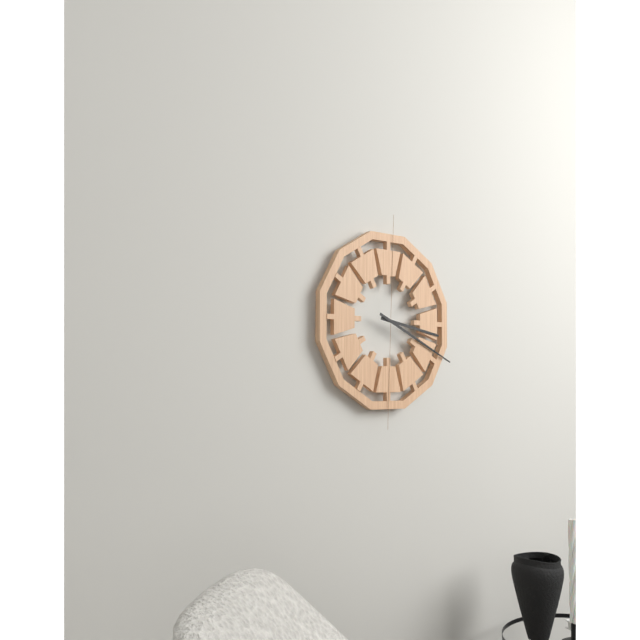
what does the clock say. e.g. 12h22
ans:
3h19
